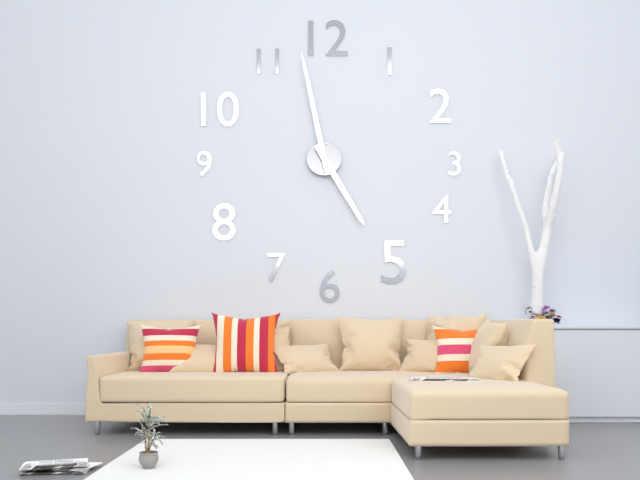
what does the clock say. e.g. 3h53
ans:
4h58
